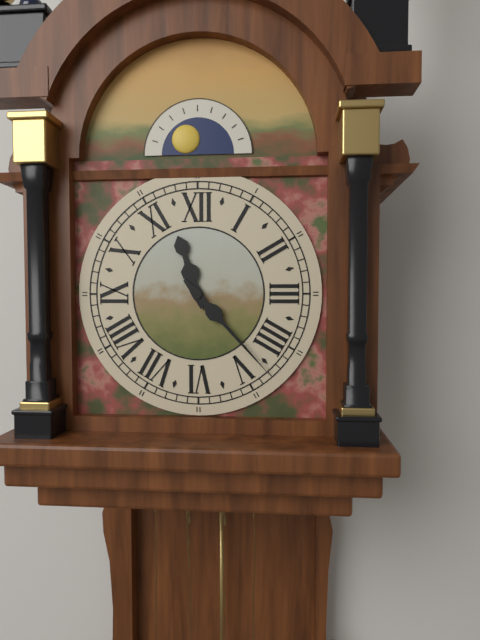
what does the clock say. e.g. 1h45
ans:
11h23
